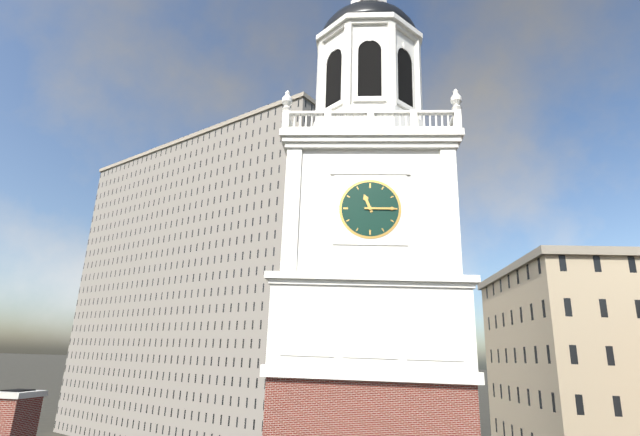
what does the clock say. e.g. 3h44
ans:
11h15
